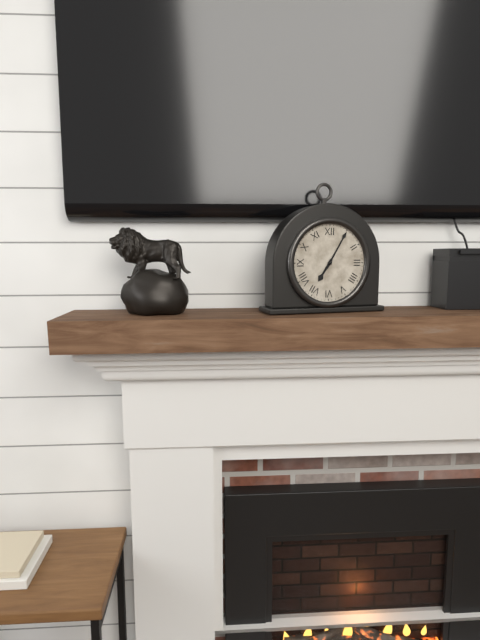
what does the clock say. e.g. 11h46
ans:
7h05
